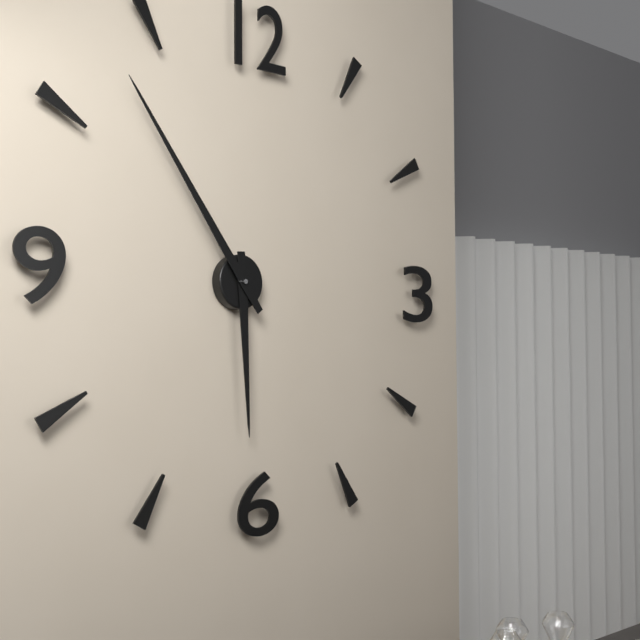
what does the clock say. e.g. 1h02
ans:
5h54
